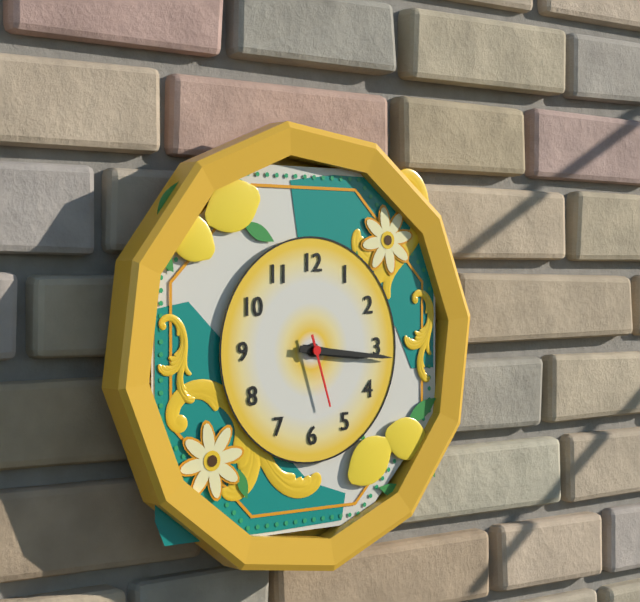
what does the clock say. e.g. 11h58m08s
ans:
3h16m27s
